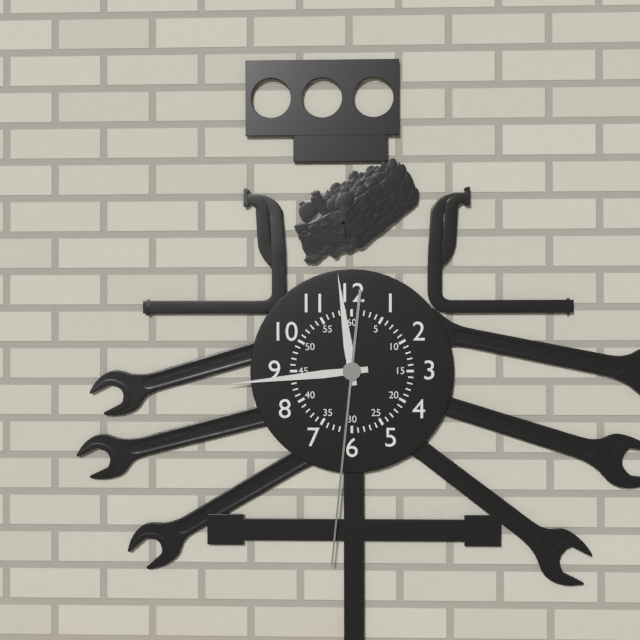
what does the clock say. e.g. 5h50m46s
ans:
11h44m31s
